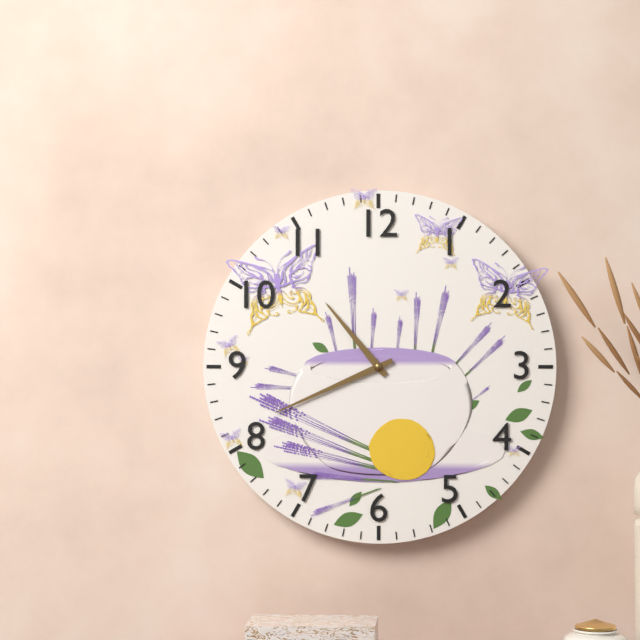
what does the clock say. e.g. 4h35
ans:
10h41
